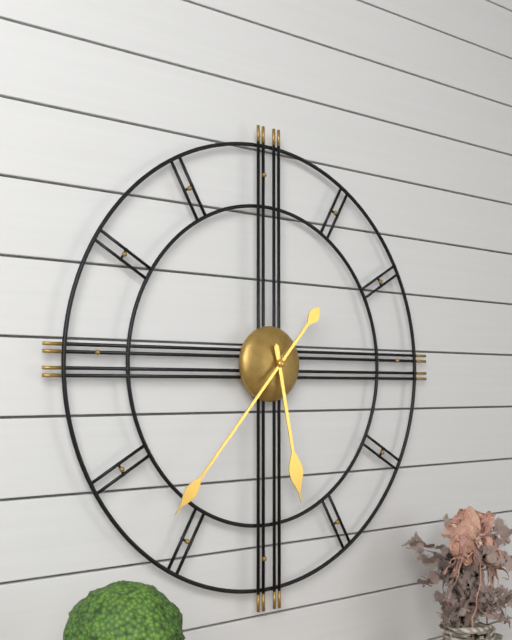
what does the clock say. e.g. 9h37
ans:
5h37
